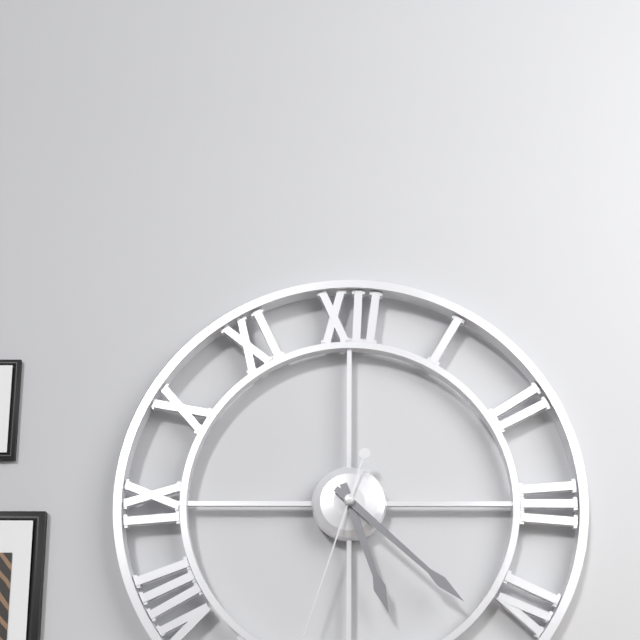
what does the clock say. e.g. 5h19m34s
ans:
5h22m33s
